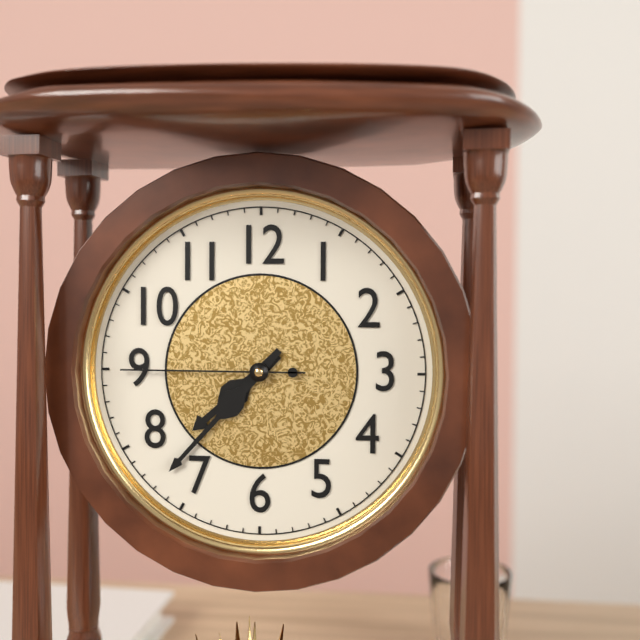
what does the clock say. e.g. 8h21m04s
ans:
7h37m45s
